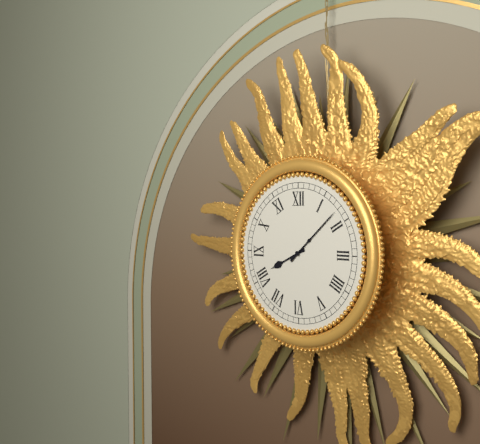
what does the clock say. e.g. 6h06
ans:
8h08
